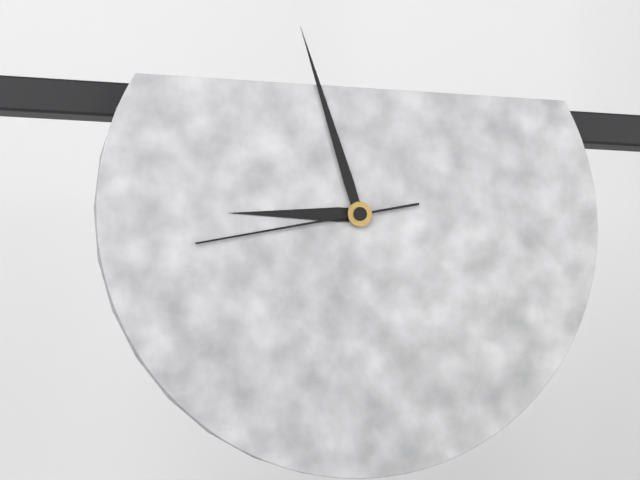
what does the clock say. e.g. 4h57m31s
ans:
8h57m43s
